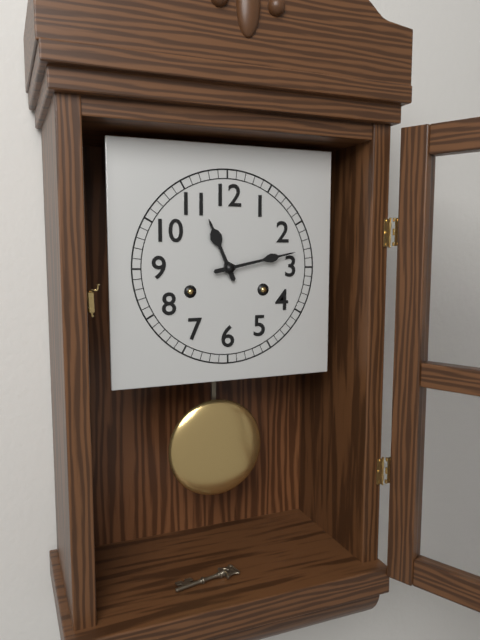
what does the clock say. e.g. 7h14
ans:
11h13
